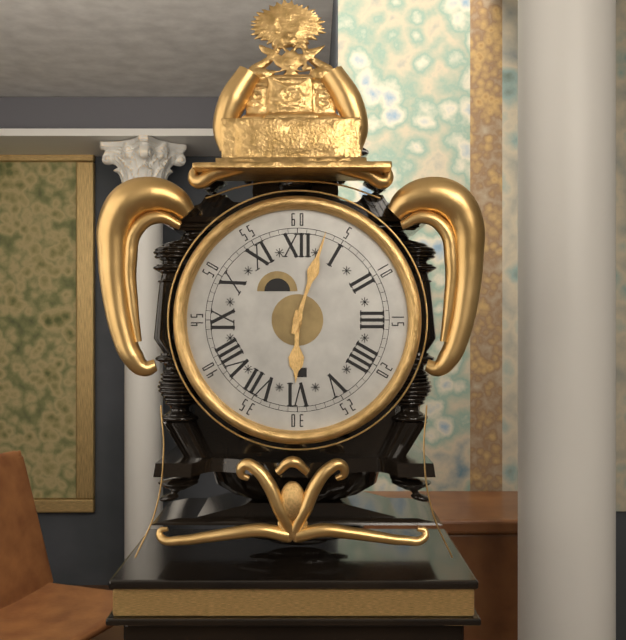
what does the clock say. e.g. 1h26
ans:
6h03
